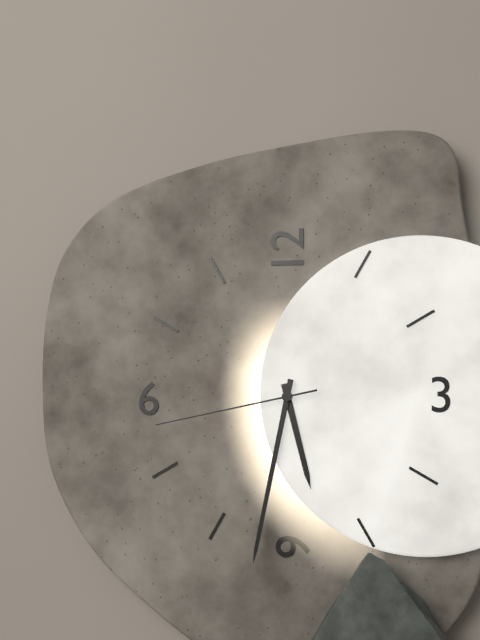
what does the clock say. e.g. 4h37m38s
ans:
5h32m43s
